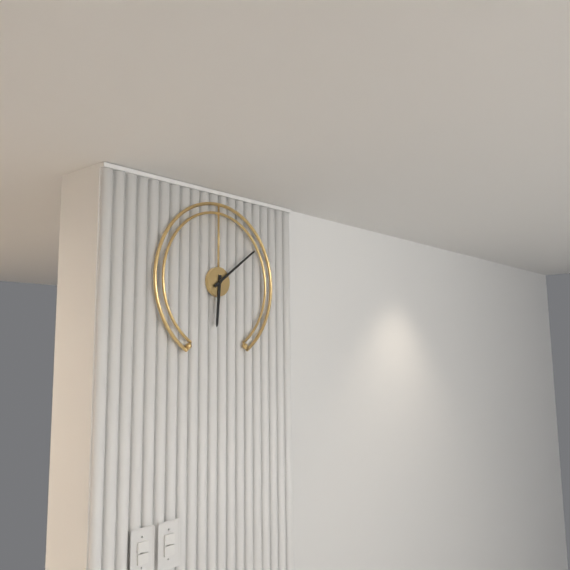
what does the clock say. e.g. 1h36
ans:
6h09
